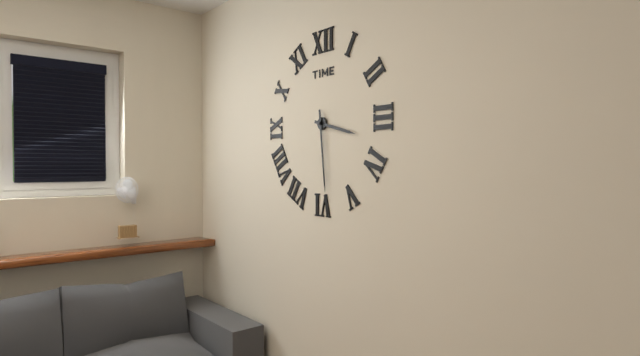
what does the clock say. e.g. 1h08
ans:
3h29
